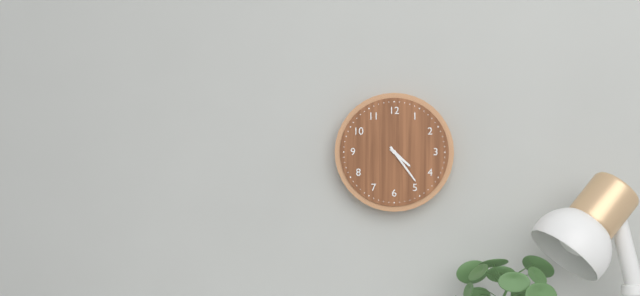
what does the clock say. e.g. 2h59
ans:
4h24
